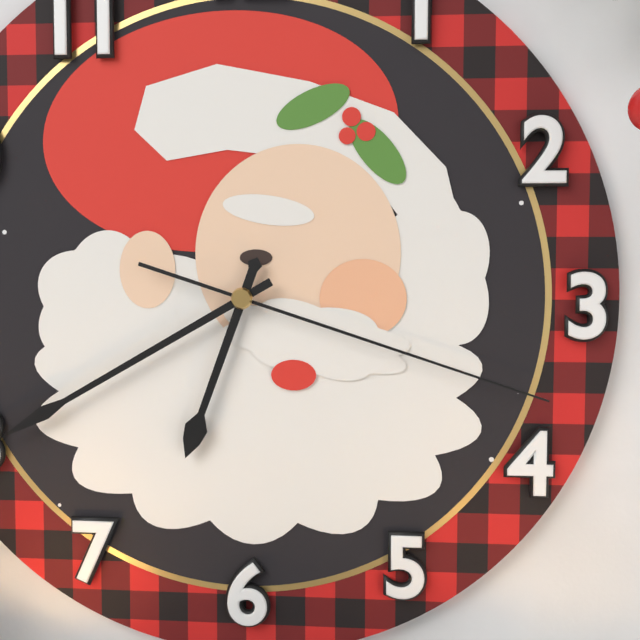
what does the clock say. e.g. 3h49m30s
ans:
6h40m18s
